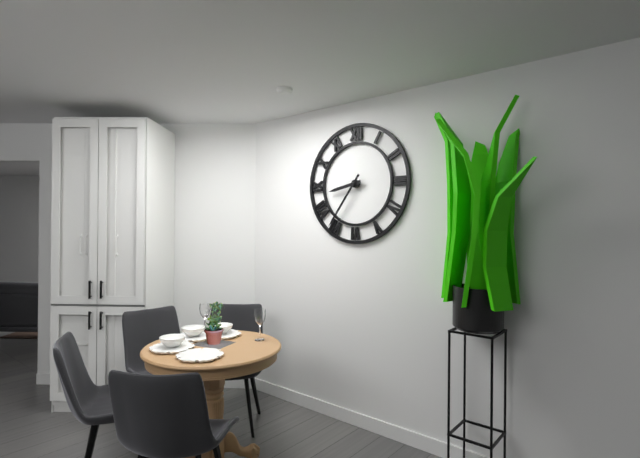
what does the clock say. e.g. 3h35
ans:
8h36
